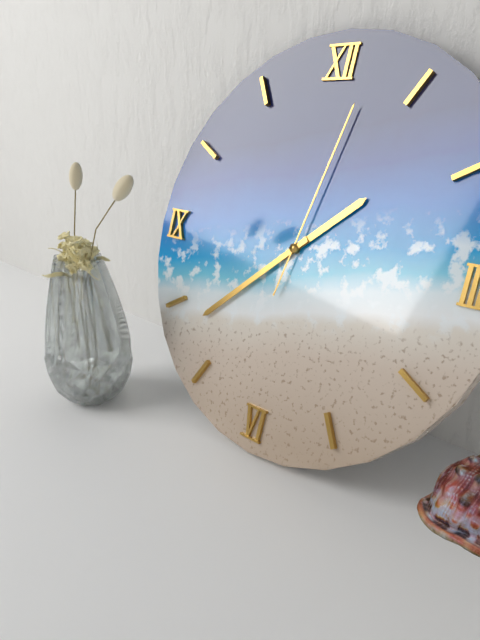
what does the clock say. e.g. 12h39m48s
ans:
1h38m02s
